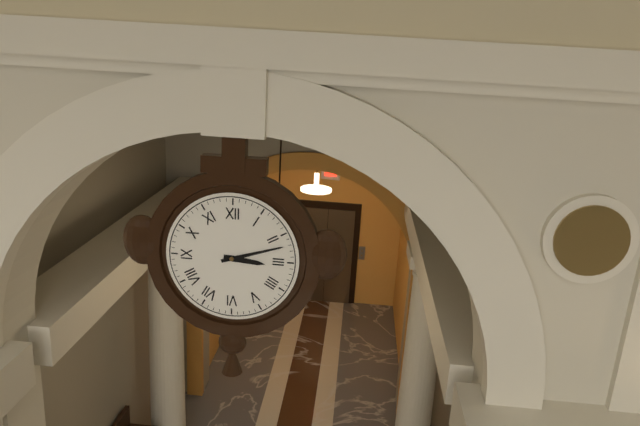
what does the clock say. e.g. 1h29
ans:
3h12
